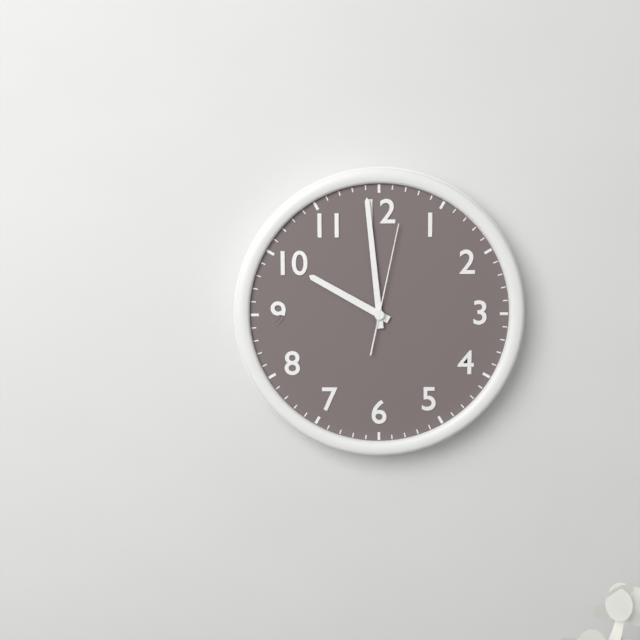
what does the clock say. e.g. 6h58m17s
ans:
9h59m02s
